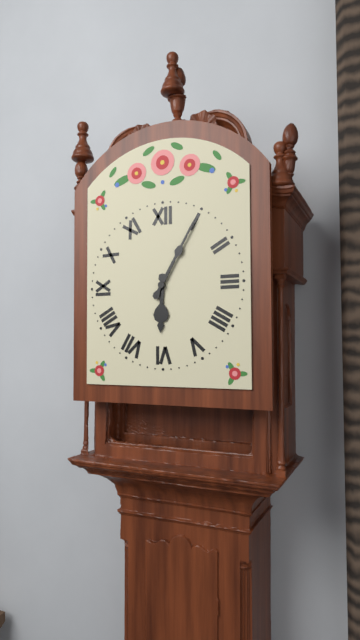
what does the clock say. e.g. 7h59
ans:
6h05
